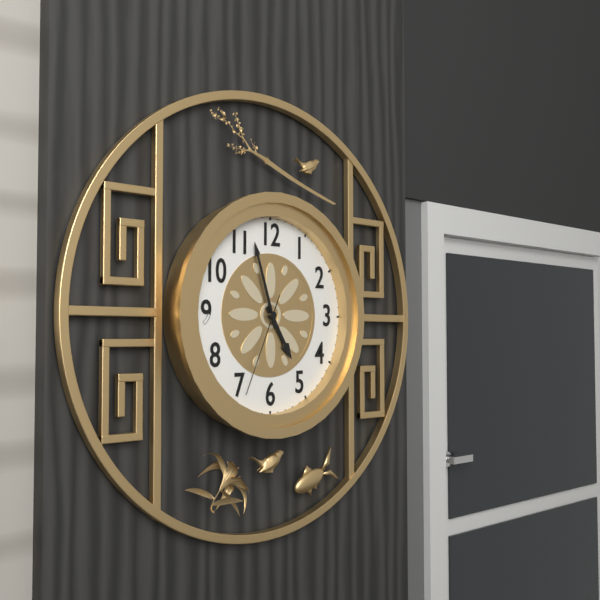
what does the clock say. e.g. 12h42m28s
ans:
4h57m34s
